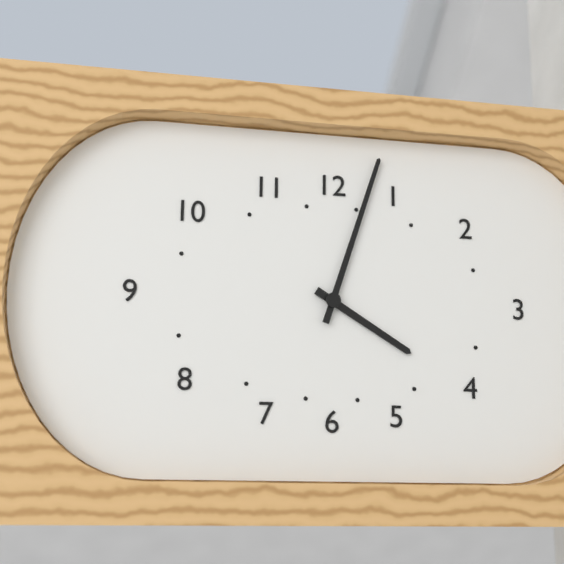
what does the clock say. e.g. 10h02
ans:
4h03
